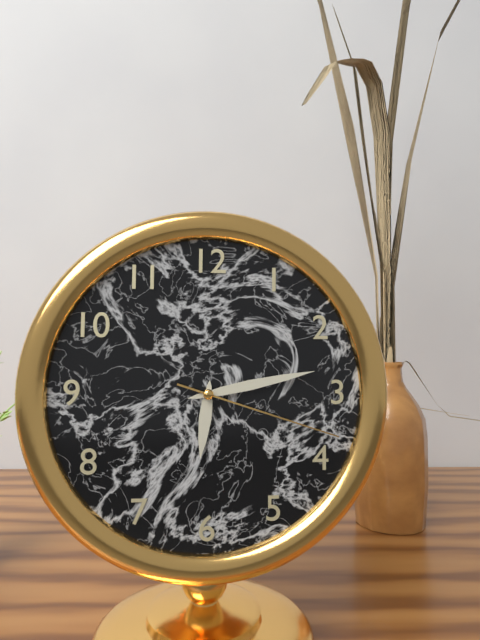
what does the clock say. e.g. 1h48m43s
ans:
6h13m18s
